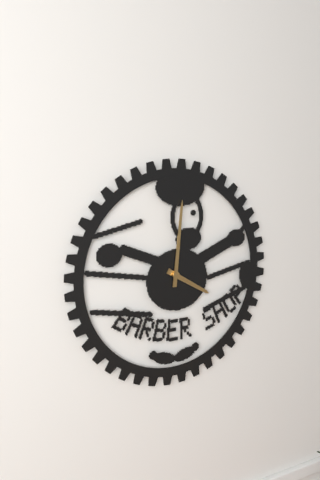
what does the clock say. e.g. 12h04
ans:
4h01
